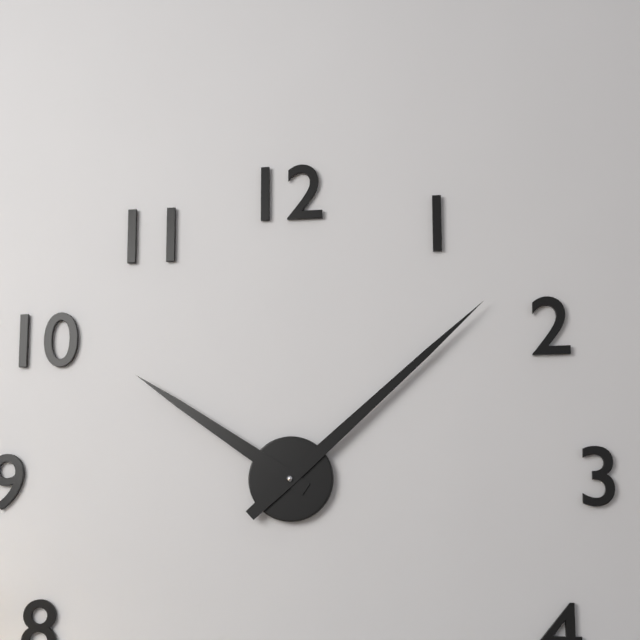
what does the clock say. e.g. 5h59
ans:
10h08
